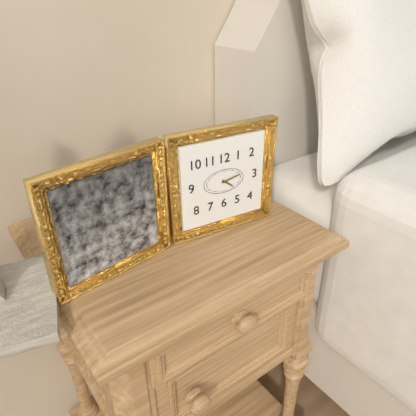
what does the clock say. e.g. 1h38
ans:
4h13
